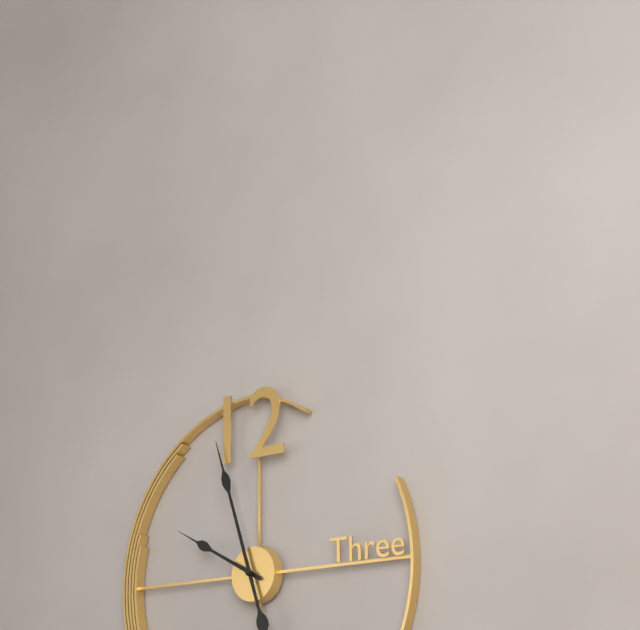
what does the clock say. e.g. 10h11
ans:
9h57
